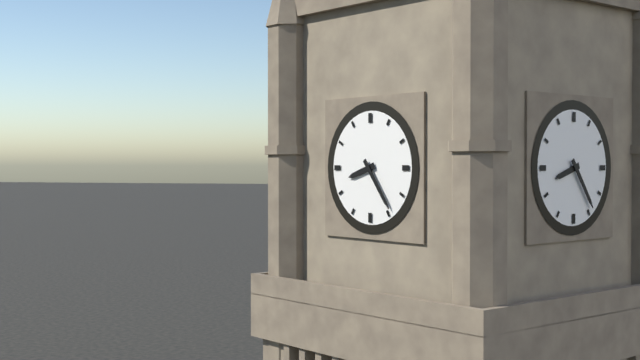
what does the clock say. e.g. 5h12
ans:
8h24
